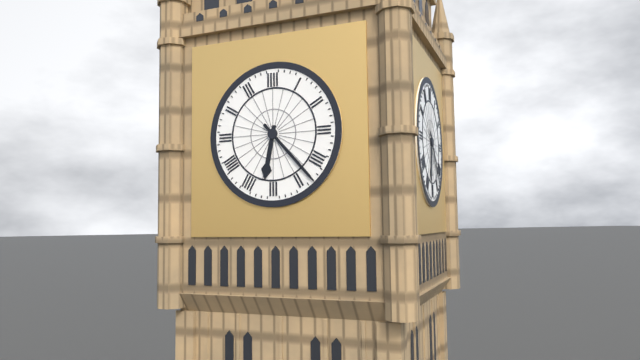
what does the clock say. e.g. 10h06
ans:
6h23
